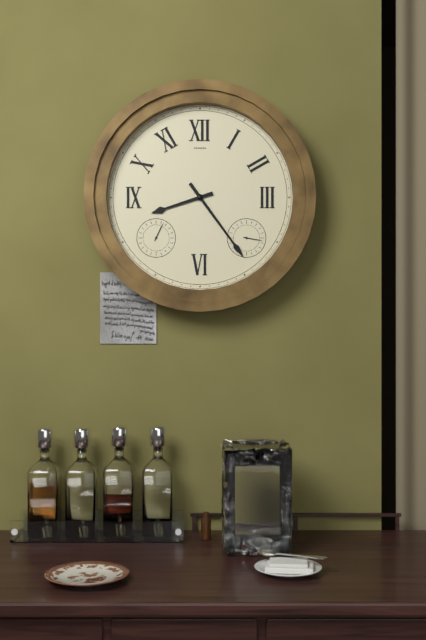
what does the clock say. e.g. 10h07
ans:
8h24
